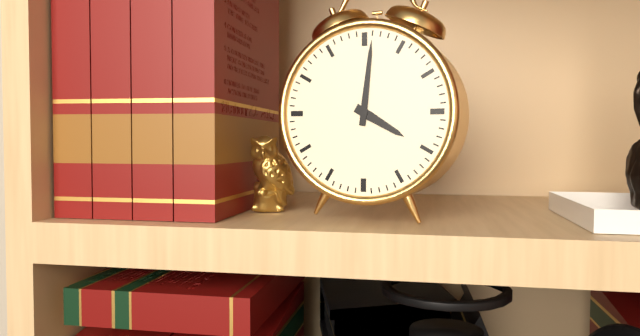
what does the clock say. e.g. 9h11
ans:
4h01
